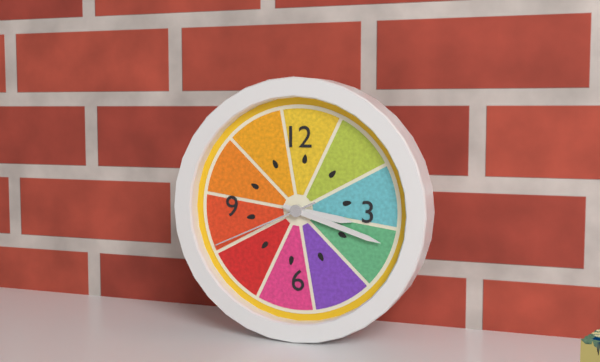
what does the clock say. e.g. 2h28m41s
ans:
3h18m41s
